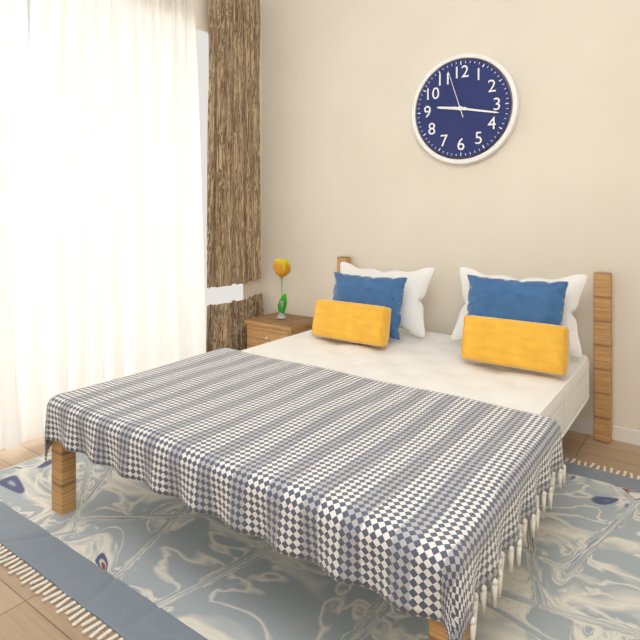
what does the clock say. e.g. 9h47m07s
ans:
9h17m57s
